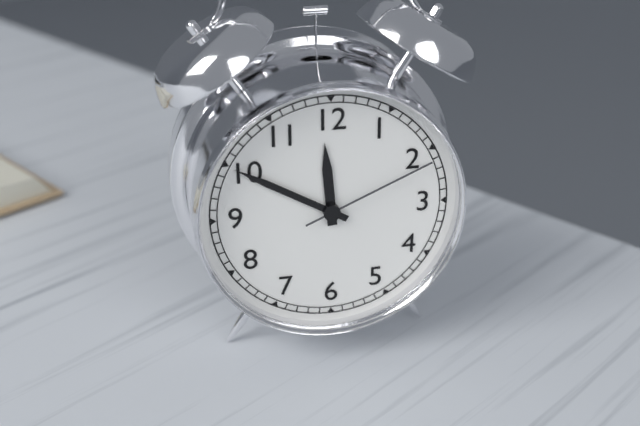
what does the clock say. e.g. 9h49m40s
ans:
11h50m11s
